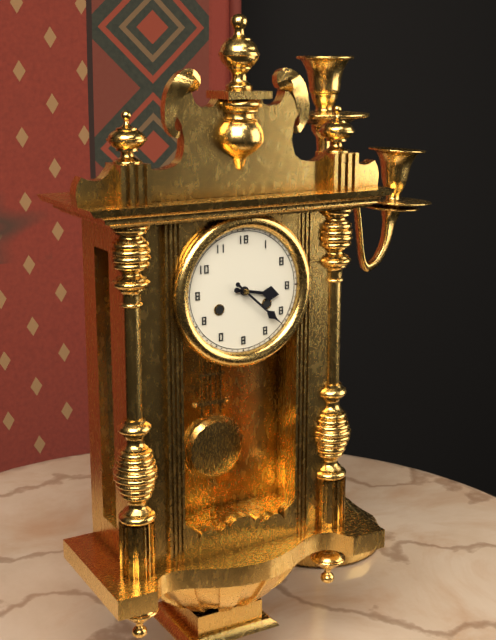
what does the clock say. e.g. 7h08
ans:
3h22
